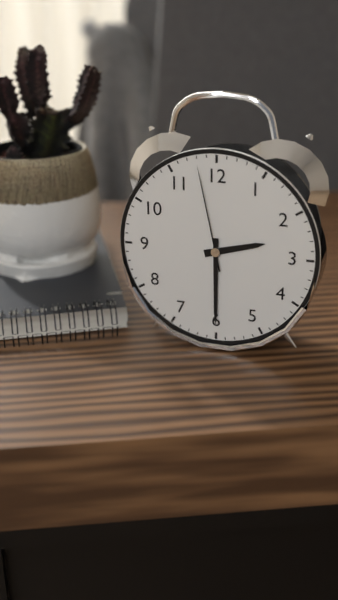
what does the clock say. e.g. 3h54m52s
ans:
2h30m58s
